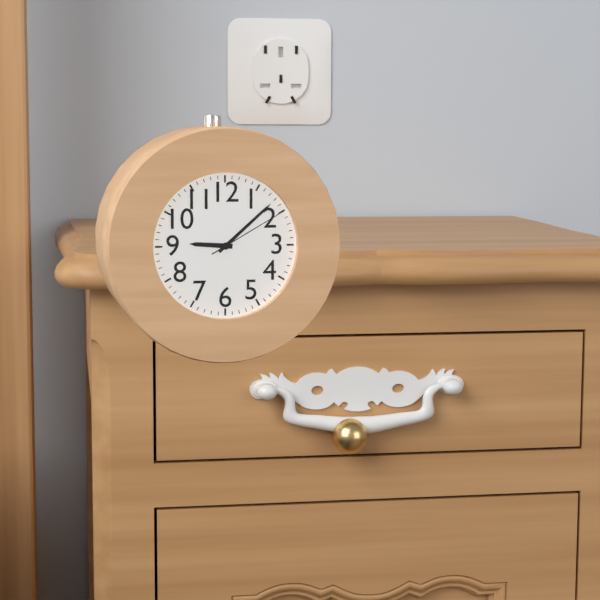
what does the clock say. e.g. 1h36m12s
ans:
9h08m10s
